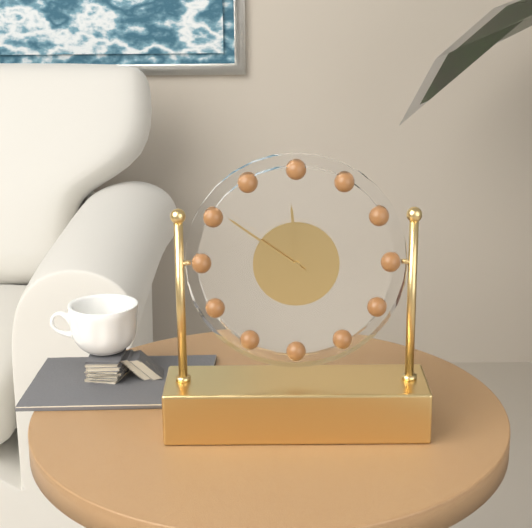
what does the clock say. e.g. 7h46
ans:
11h51
